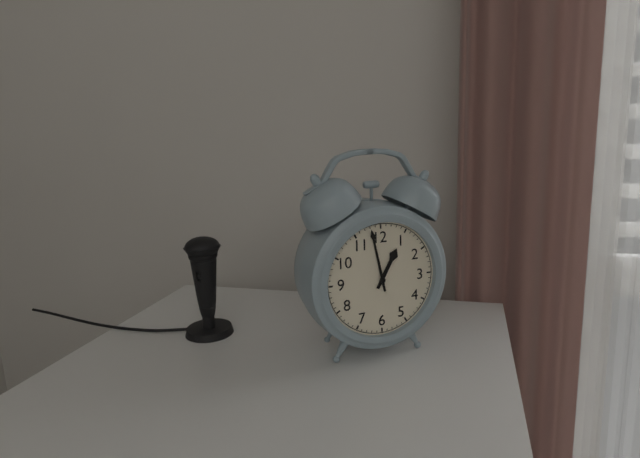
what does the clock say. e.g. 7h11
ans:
12h58
